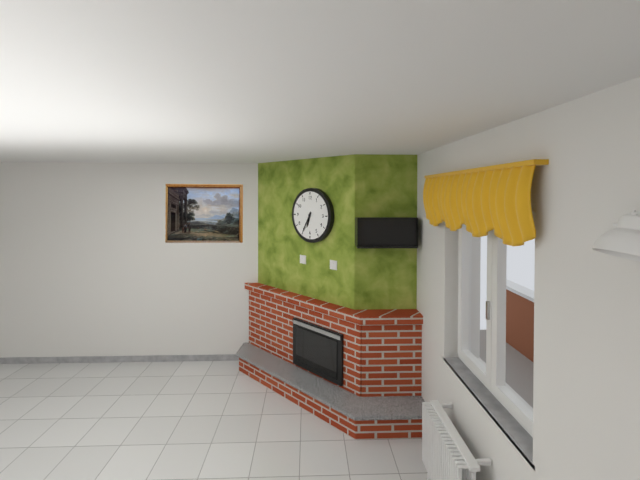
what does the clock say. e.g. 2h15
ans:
6h35
